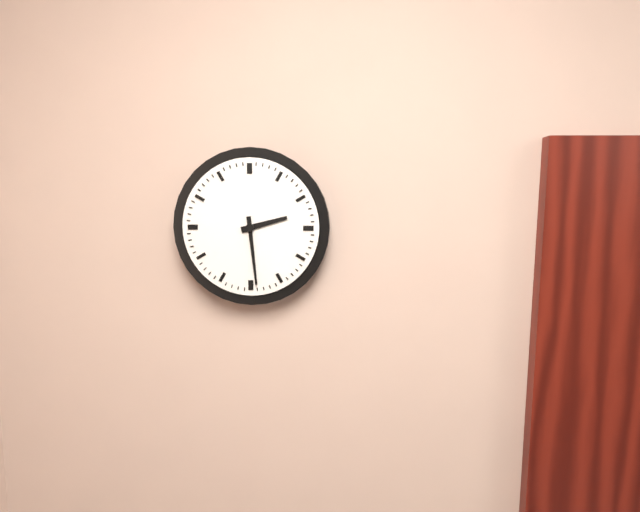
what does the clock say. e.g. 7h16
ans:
2h29
